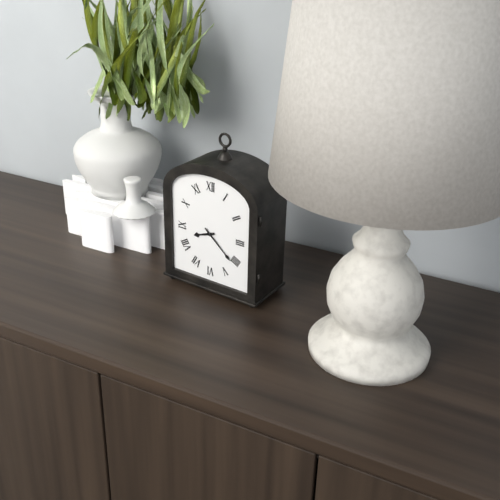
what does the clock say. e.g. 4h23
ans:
8h22
